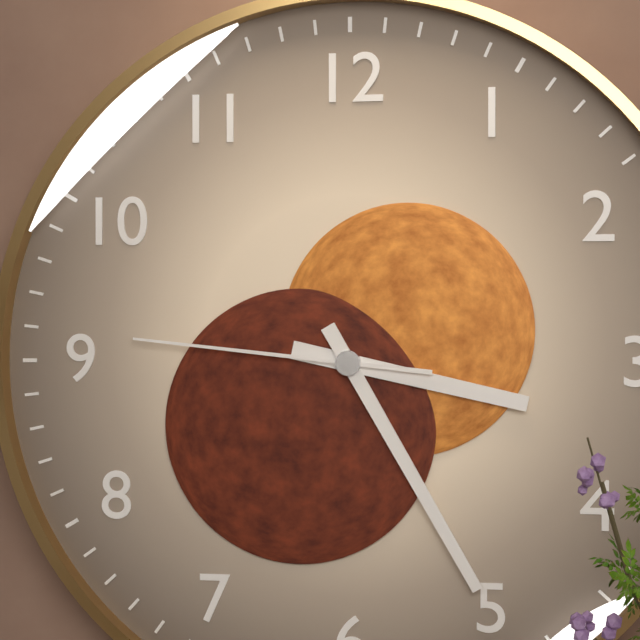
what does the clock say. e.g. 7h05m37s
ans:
3h25m46s
